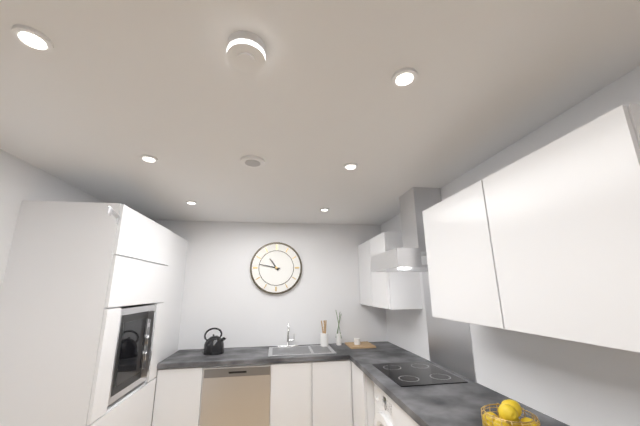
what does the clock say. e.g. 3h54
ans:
10h47
